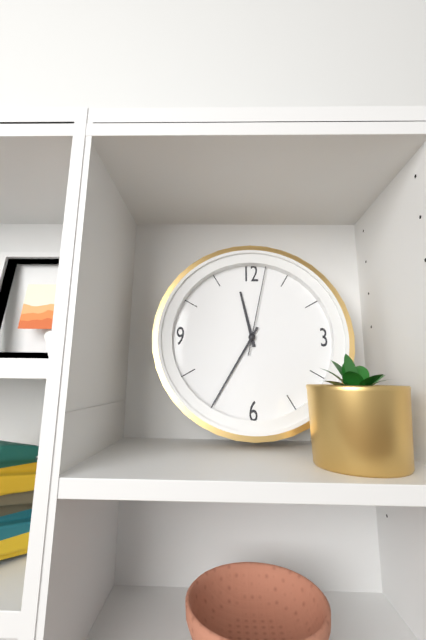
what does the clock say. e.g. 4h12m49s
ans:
11h35m02s
